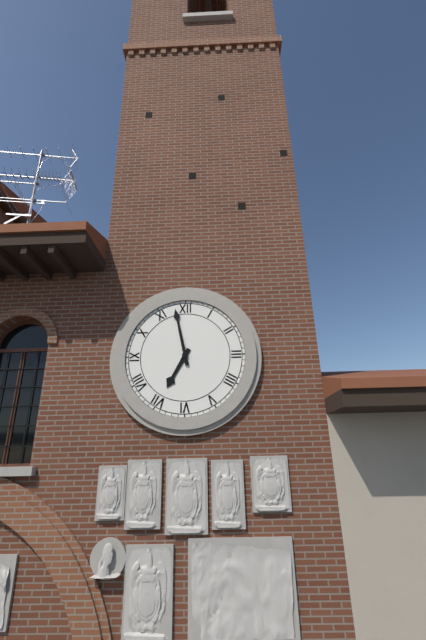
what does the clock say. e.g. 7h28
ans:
6h58
